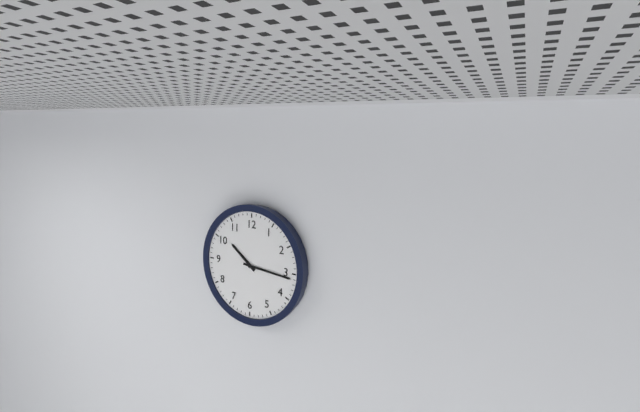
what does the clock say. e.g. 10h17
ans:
10h16
